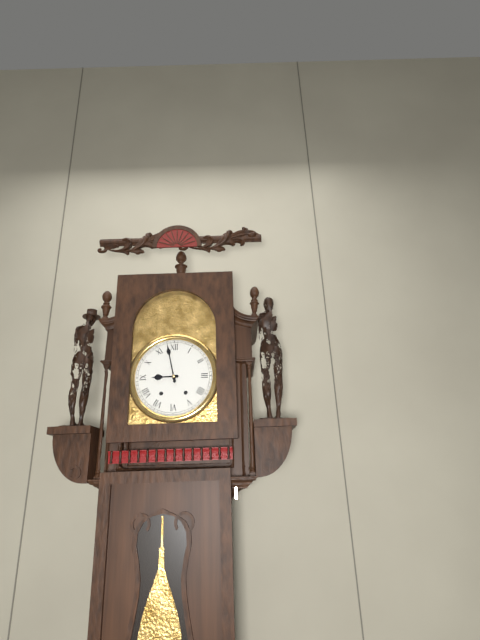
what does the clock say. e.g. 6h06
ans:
8h58
